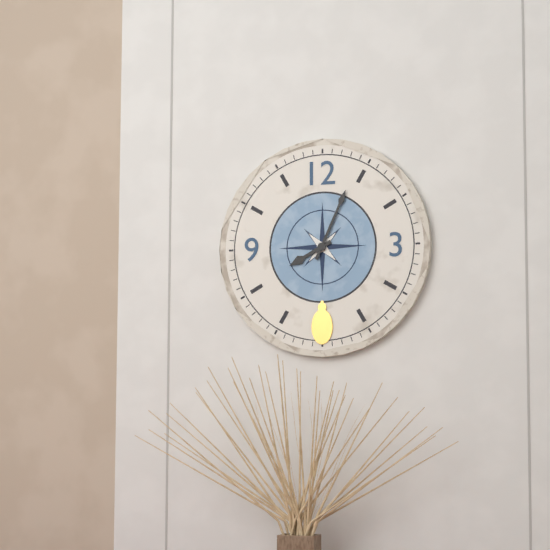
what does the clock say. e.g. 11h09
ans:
8h04
